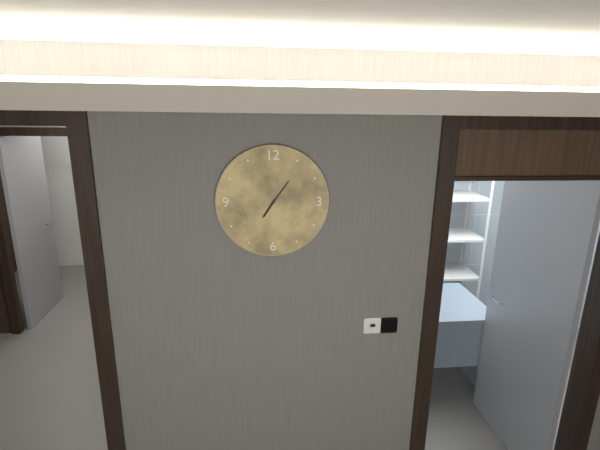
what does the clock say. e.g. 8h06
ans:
7h06
